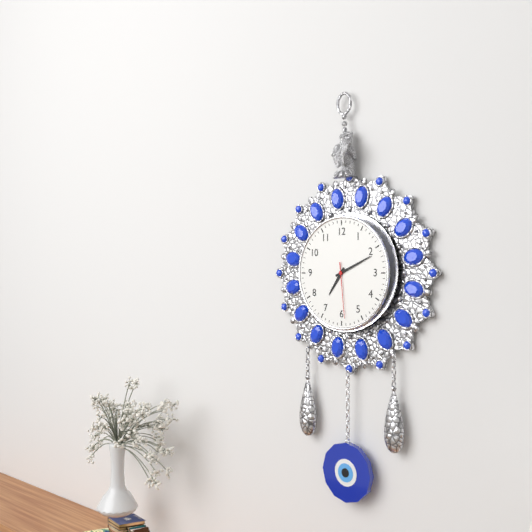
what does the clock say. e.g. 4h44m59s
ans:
7h11m29s
